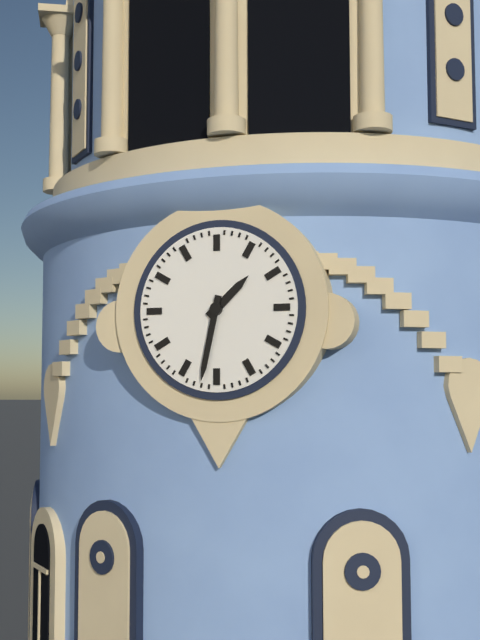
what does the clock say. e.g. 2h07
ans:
1h32
